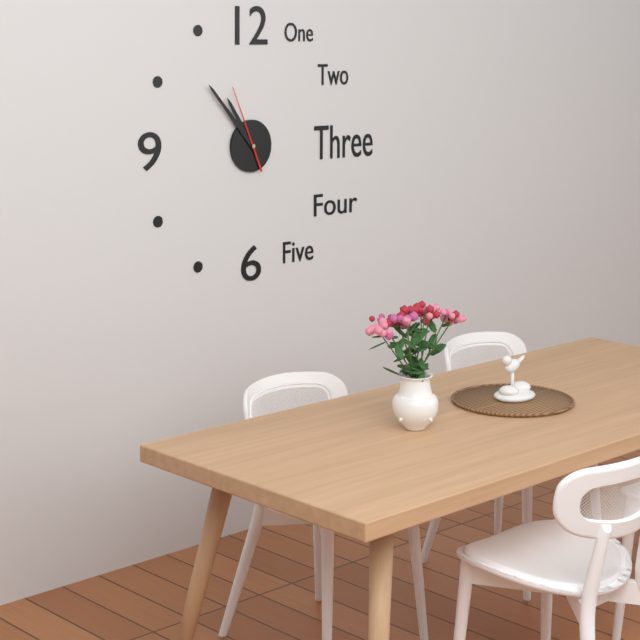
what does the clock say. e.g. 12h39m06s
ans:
10h53m56s
